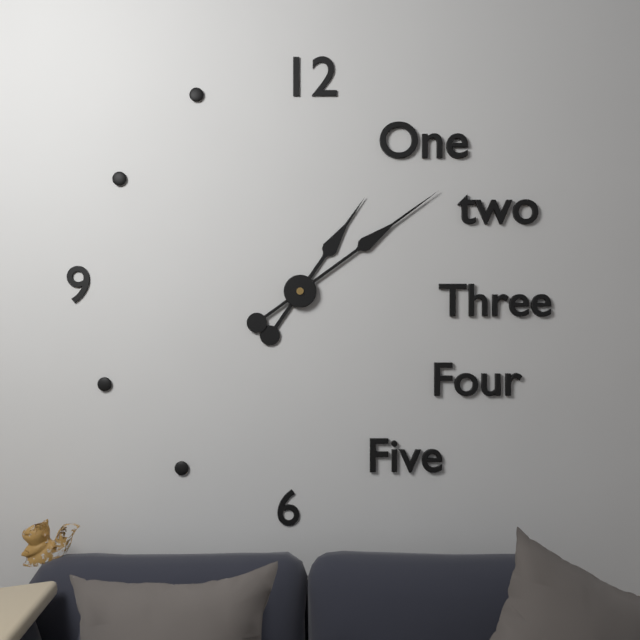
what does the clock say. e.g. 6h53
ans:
1h09
